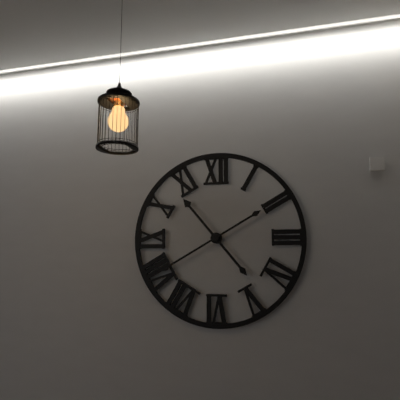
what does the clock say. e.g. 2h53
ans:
10h40
